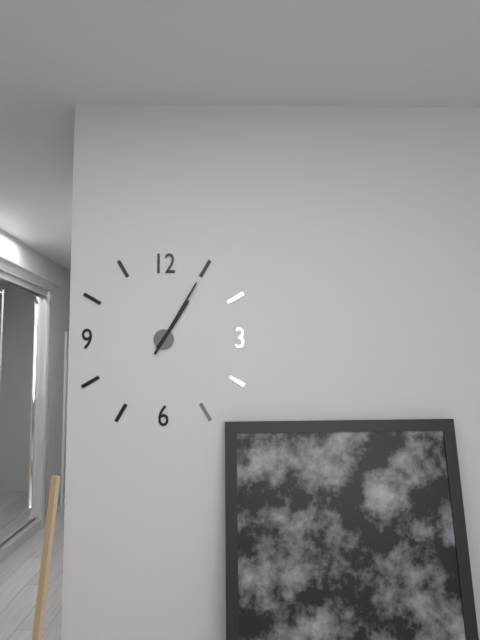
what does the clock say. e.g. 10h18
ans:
1h05
